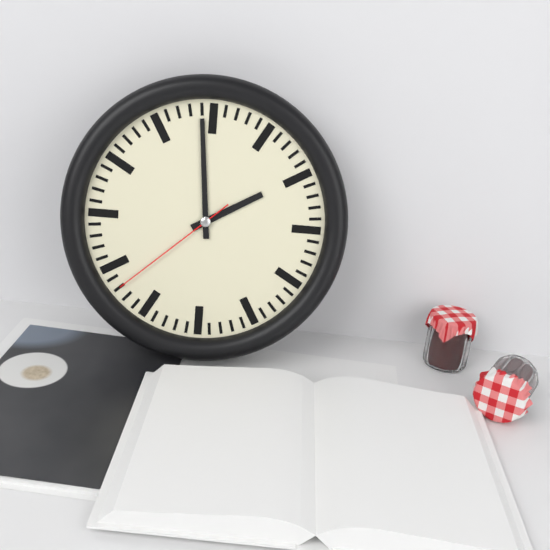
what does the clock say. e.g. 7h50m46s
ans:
1h59m38s
